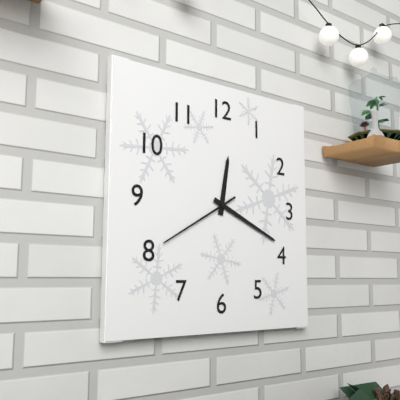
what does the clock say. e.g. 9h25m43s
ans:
12h19m40s
